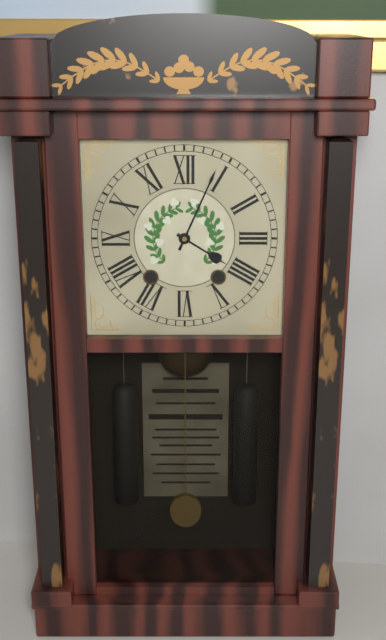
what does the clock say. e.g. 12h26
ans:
4h04
